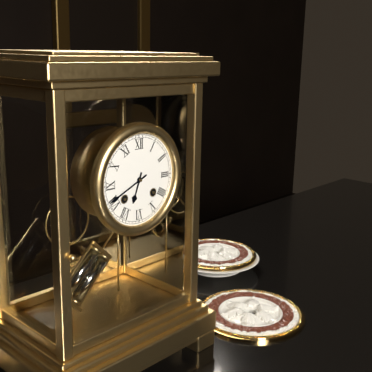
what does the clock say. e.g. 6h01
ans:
6h41
